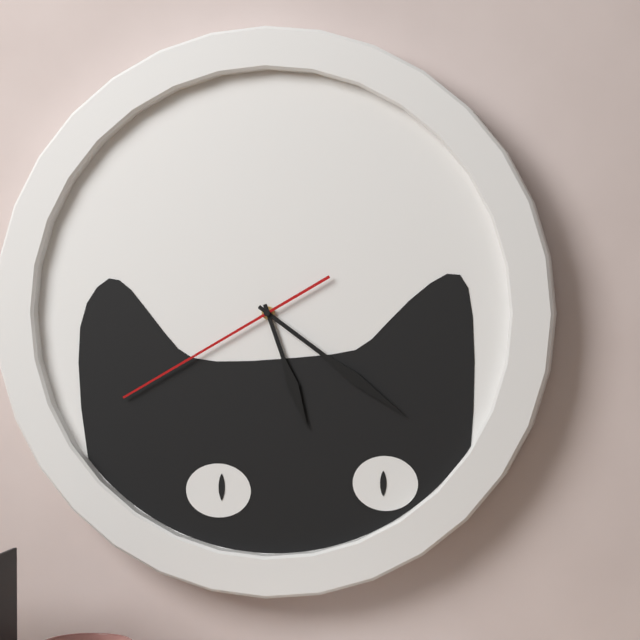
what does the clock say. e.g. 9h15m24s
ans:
5h21m40s
